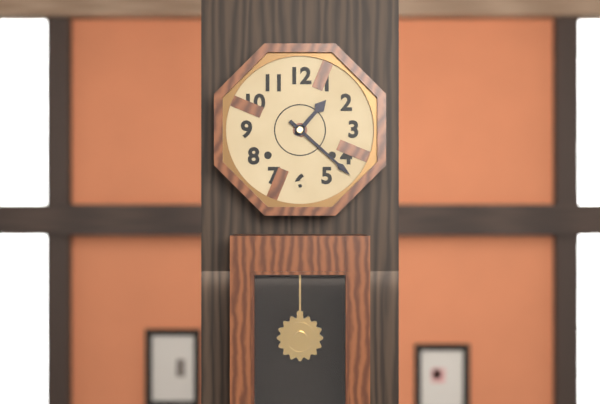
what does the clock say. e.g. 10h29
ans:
1h22
